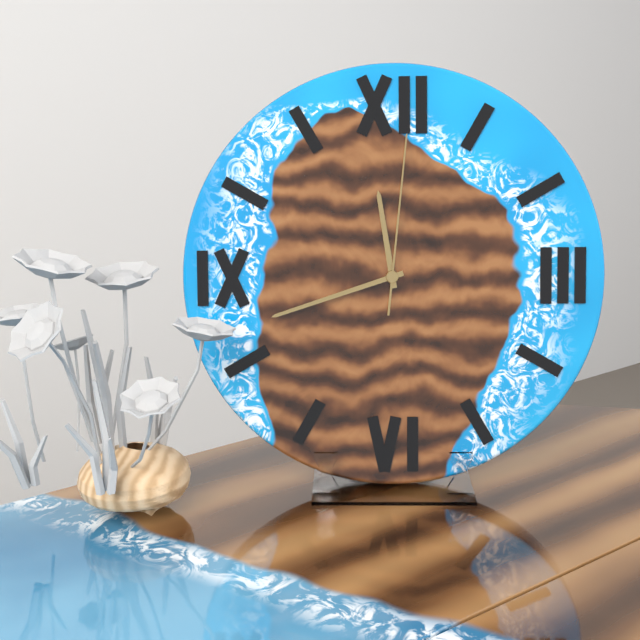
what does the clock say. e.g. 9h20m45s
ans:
11h42m01s
